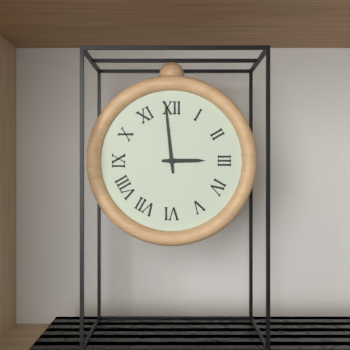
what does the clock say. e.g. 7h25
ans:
2h59
